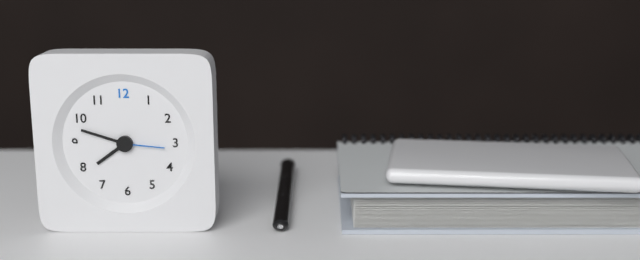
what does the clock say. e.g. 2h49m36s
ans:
7h48m16s
